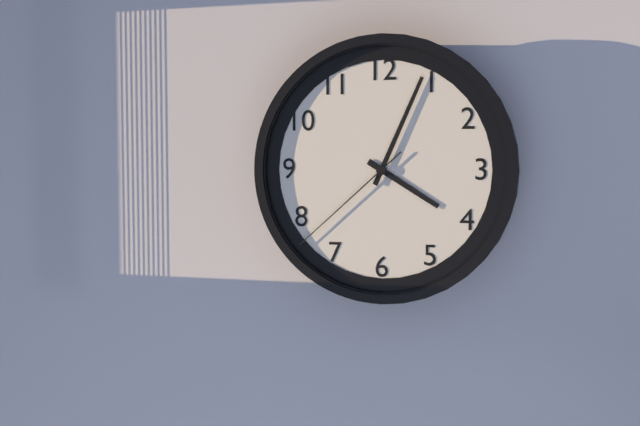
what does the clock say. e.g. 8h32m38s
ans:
4h04m38s
